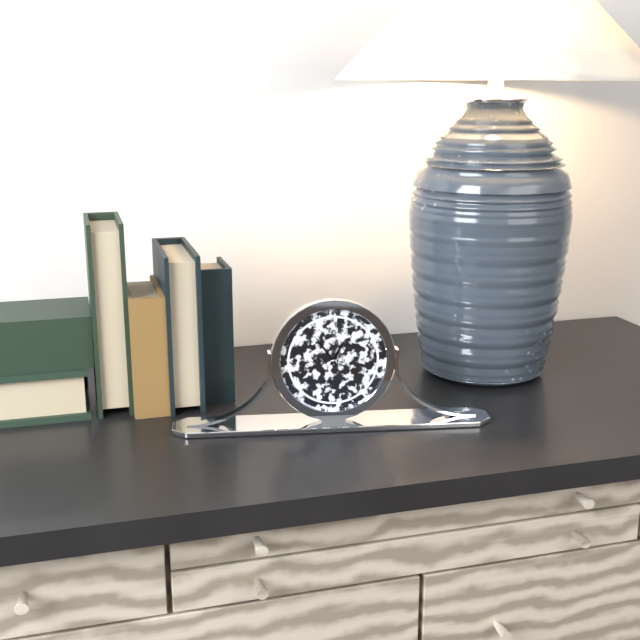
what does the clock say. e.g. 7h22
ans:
12h54
